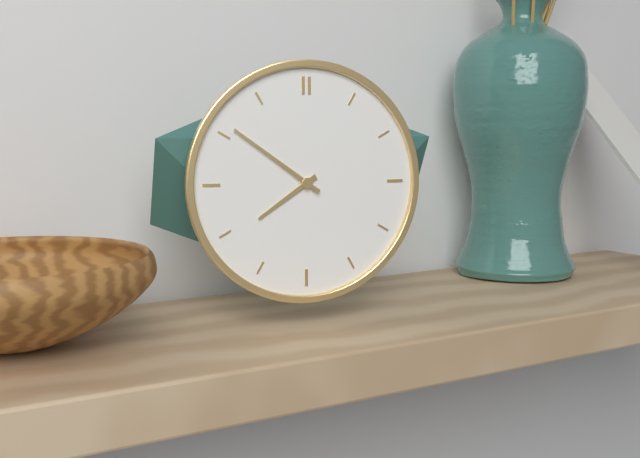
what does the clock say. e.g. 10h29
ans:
7h51
